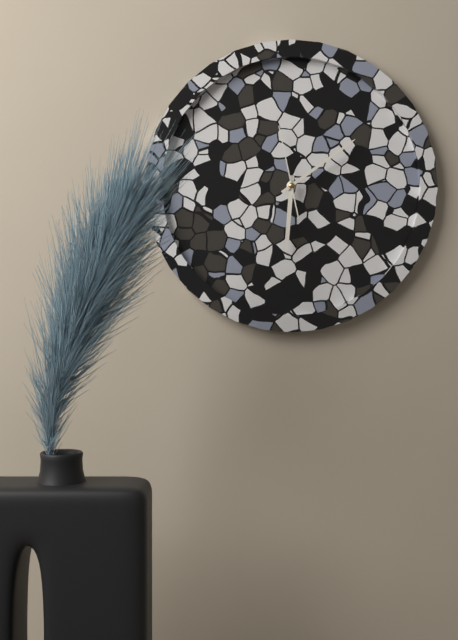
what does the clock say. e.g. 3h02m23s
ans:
6h09m58s
